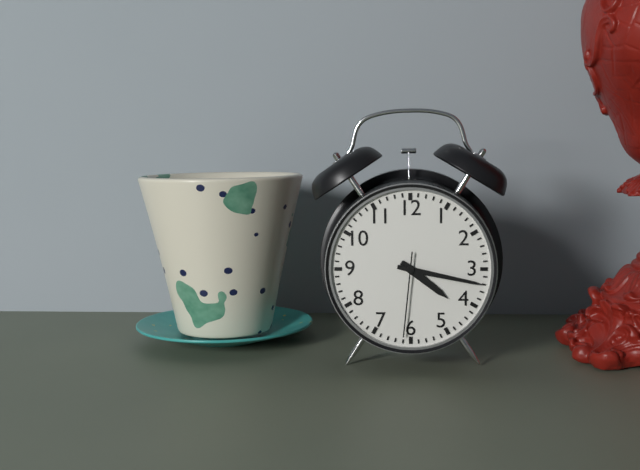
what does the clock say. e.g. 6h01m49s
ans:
4h17m31s
